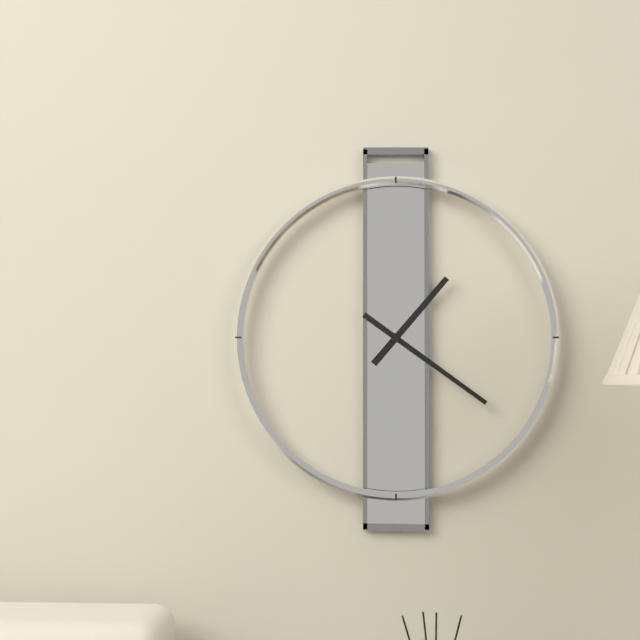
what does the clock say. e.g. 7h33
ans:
1h21
